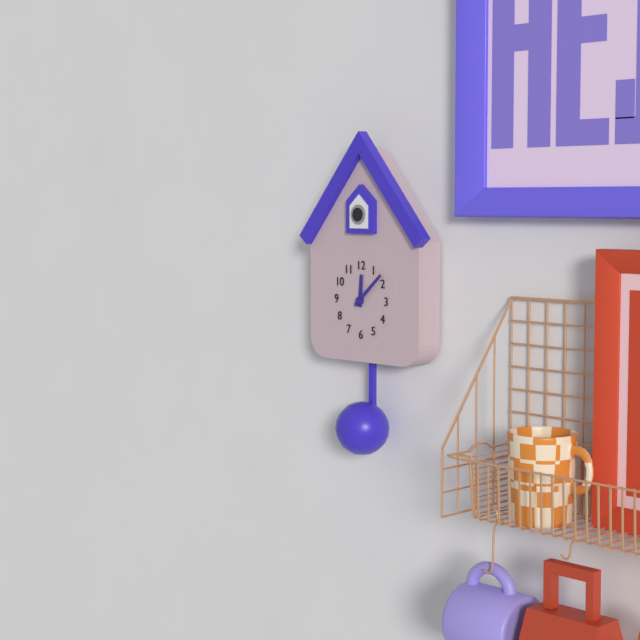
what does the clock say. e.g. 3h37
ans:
12h08
